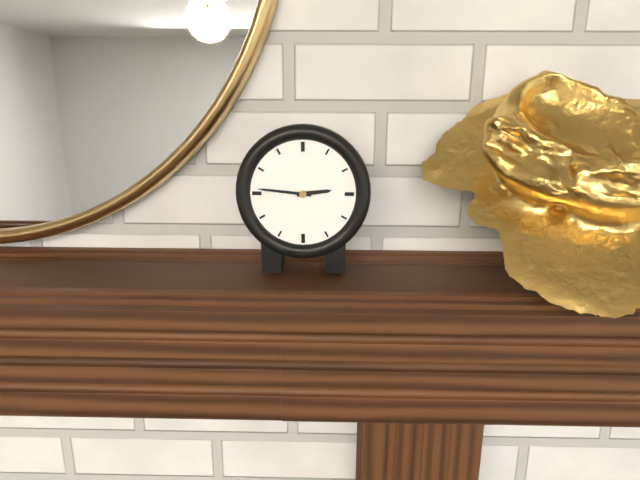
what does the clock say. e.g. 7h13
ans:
2h46
